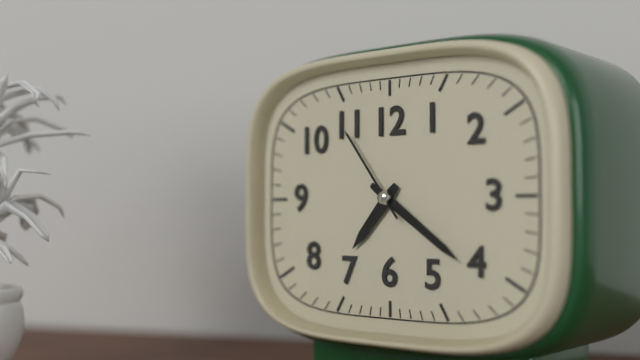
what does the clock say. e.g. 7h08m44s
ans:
7h21m54s
